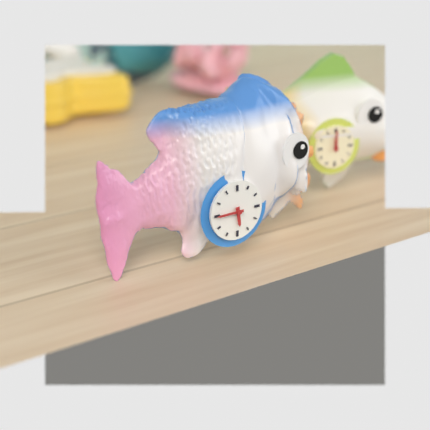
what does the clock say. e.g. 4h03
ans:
5h45
